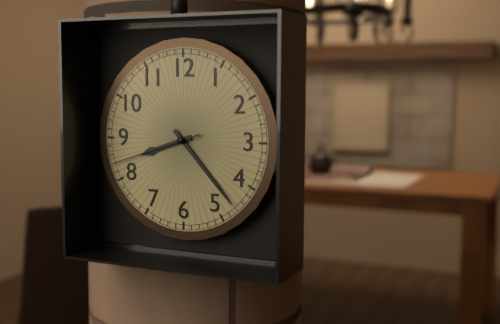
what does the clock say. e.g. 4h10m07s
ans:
8h23m42s
